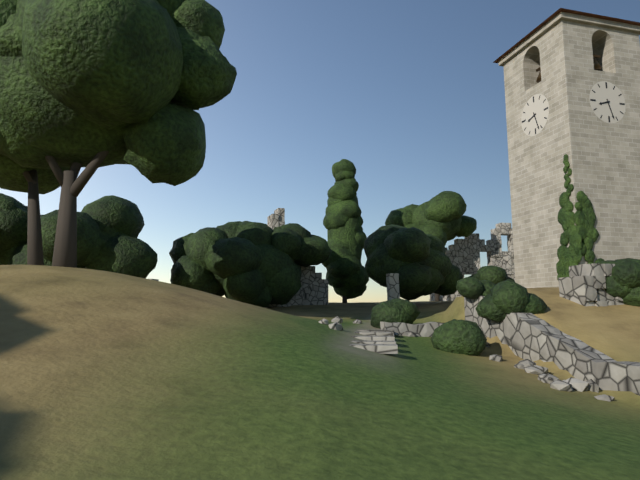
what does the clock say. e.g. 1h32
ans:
8h27
